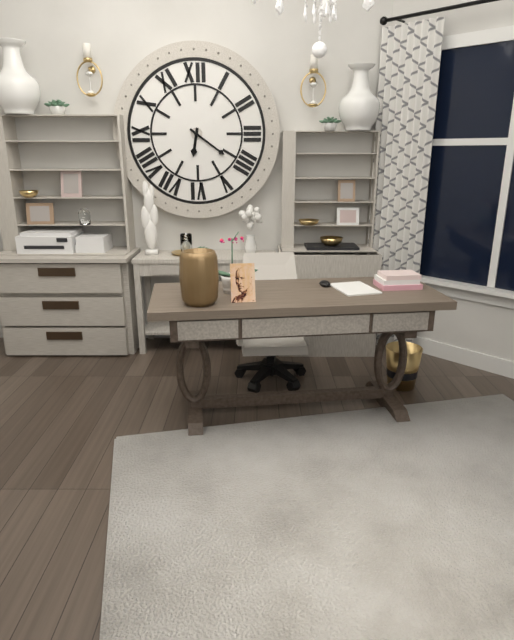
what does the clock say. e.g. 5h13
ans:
6h21
